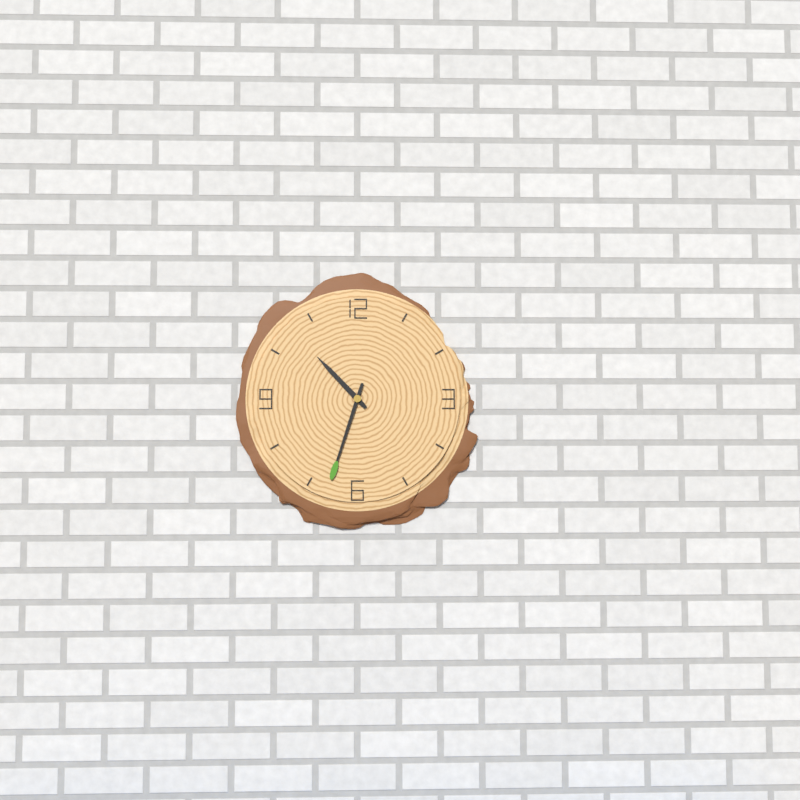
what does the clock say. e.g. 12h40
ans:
10h33
